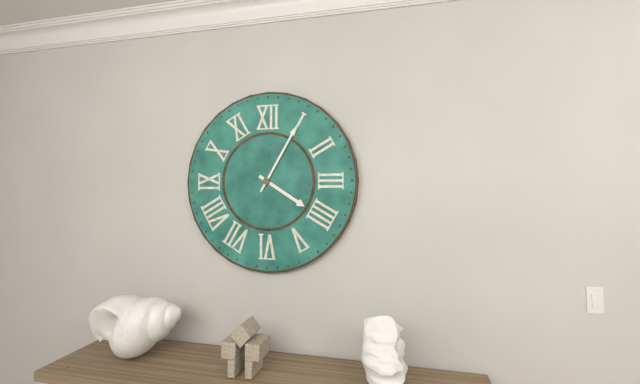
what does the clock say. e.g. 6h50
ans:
4h05
